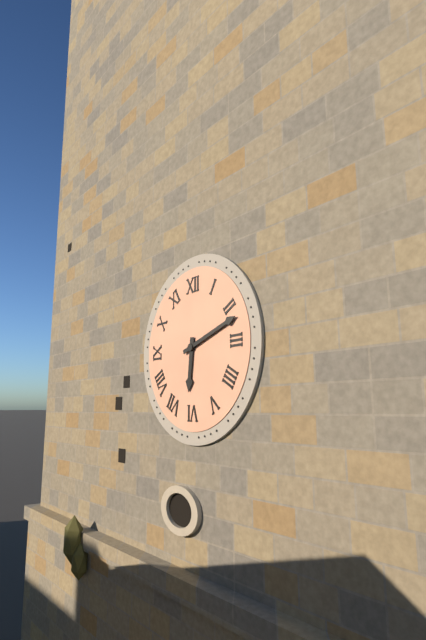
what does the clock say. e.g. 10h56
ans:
6h12
